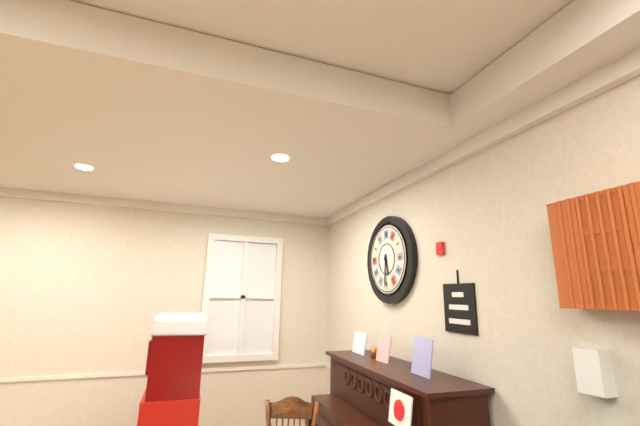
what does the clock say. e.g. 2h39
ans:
5h31
